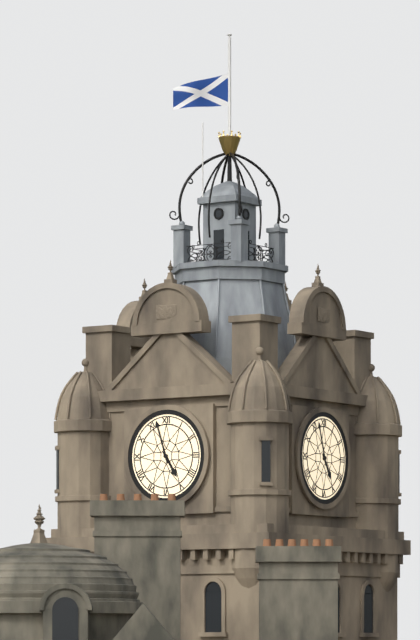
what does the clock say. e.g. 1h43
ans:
4h57
